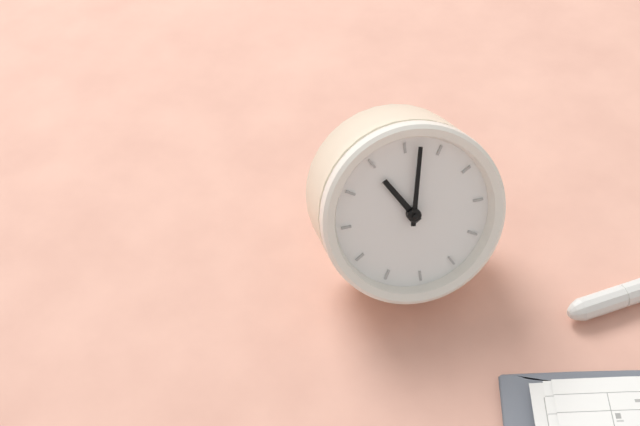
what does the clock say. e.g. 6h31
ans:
9h57
